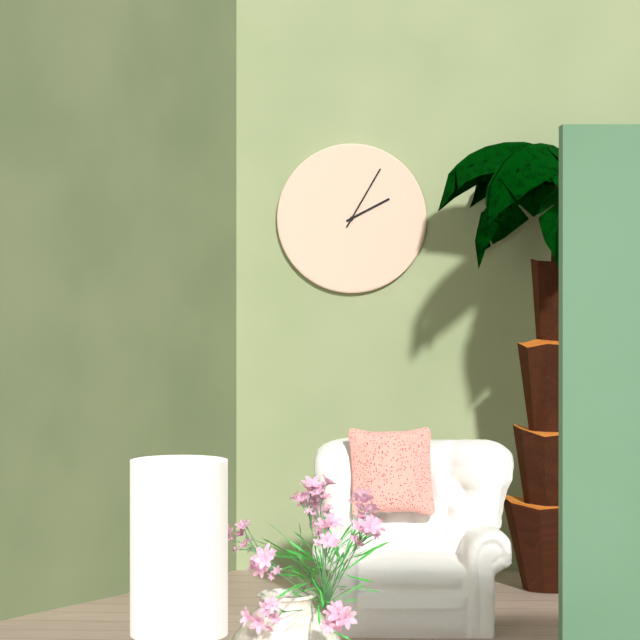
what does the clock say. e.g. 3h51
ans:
2h05
